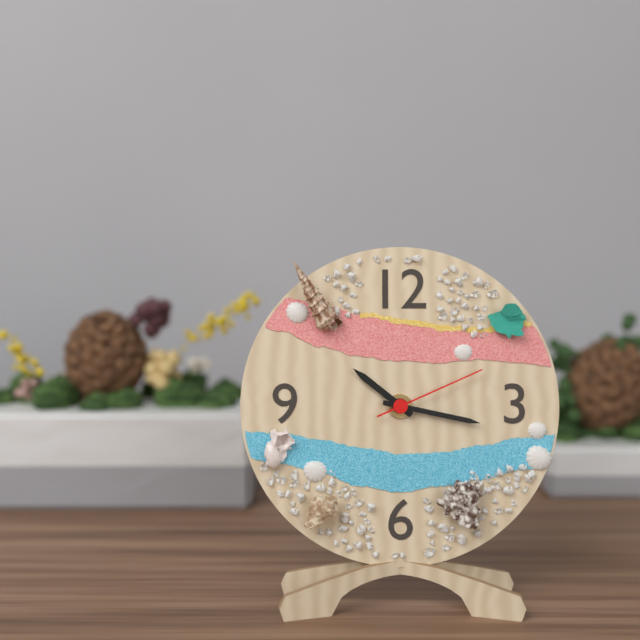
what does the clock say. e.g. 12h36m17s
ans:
10h17m11s
